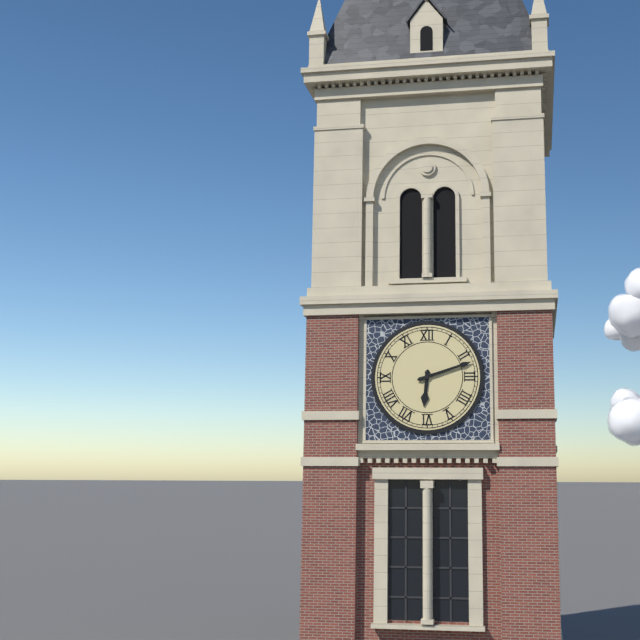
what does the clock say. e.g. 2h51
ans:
6h12
